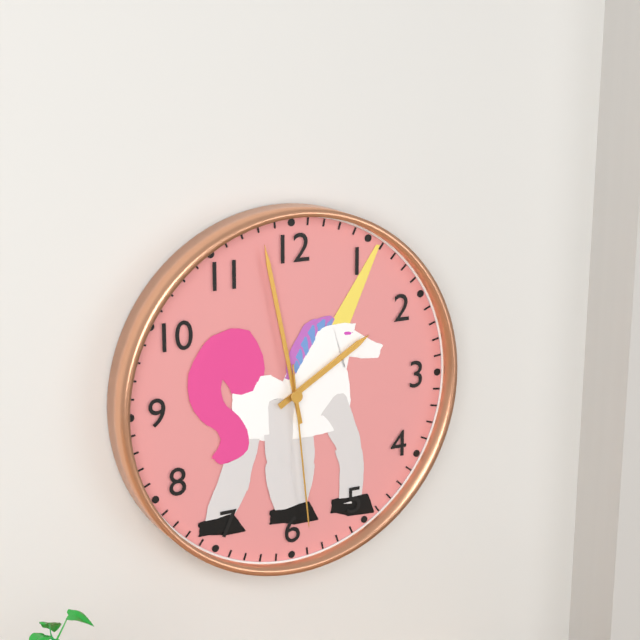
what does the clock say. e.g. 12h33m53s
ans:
1h58m29s
